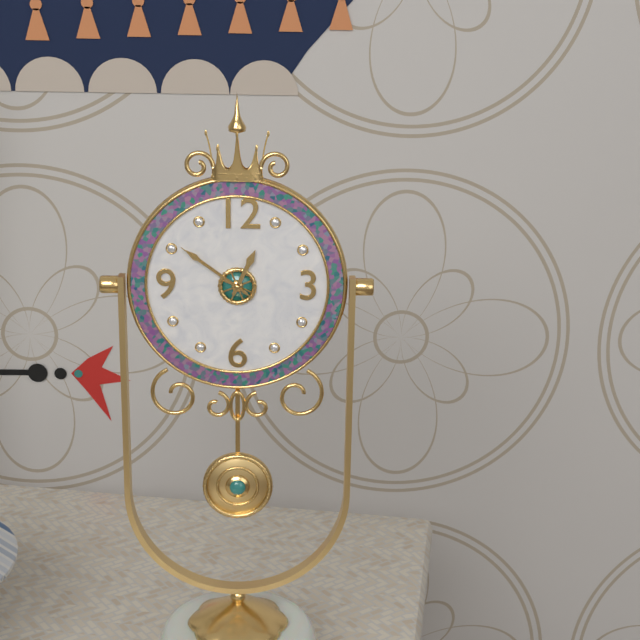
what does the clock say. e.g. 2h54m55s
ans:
12h51m51s
